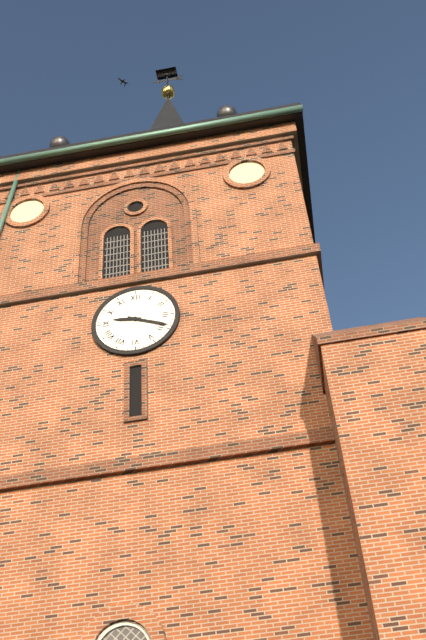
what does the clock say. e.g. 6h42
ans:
9h19
